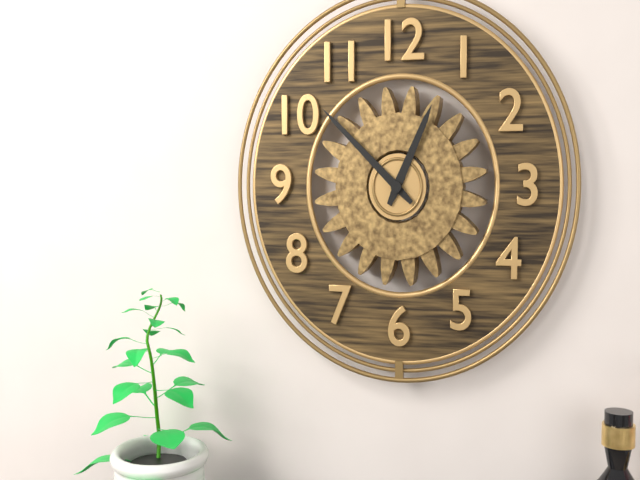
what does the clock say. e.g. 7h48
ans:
12h52
